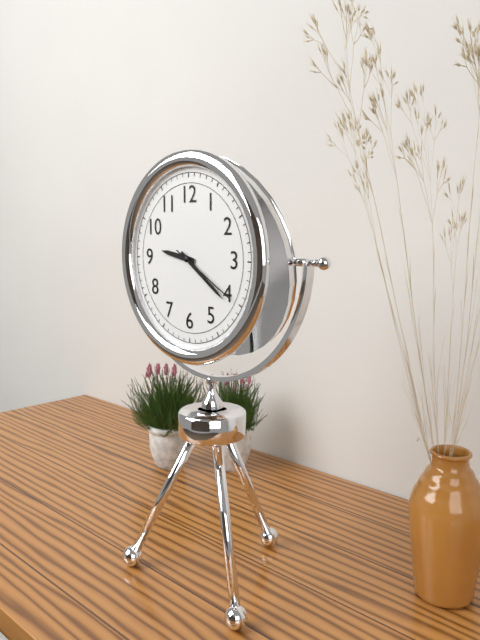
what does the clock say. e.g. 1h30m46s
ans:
9h21m20s
